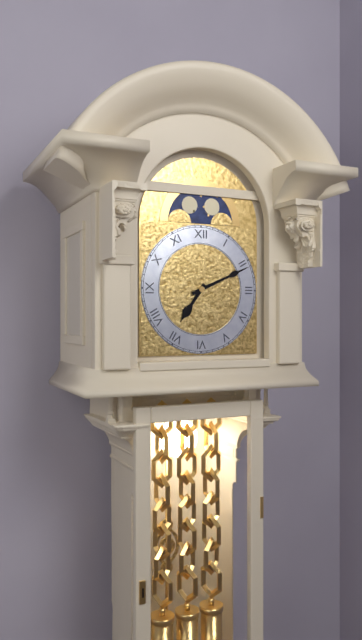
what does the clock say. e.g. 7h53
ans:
7h11
